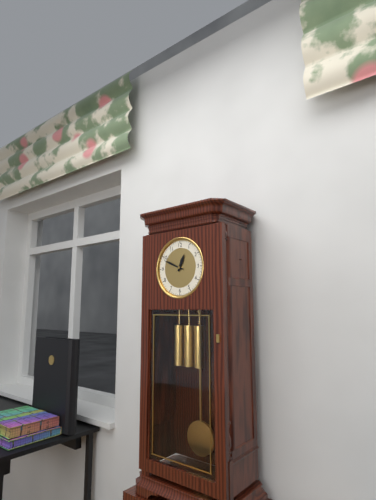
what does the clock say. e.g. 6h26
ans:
12h49
